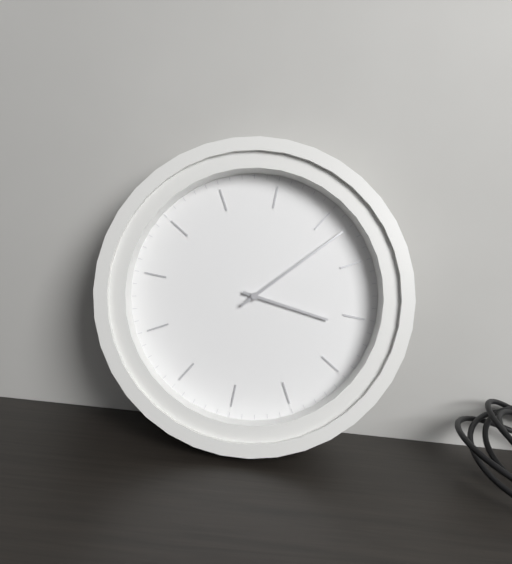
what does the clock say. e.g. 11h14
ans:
4h12
